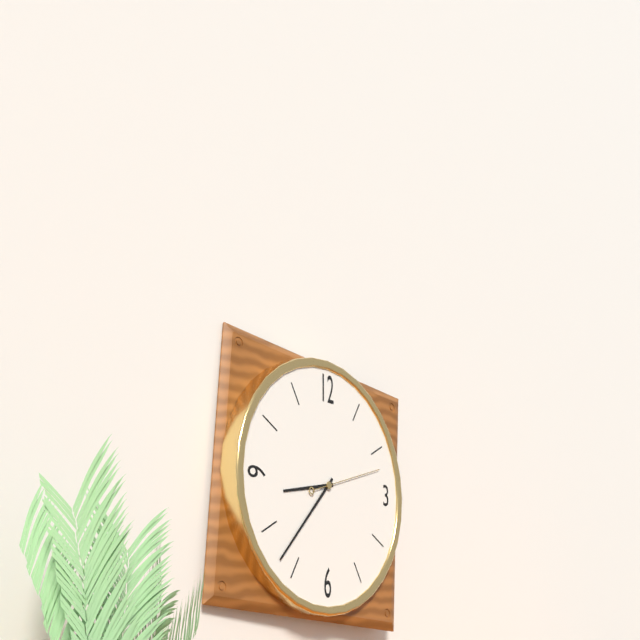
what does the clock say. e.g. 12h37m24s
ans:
8h37m12s
